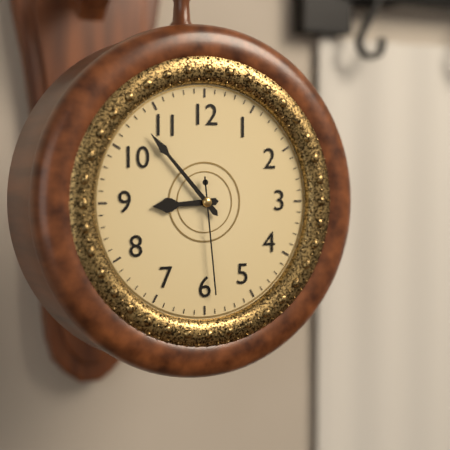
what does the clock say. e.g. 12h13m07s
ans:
8h53m29s
